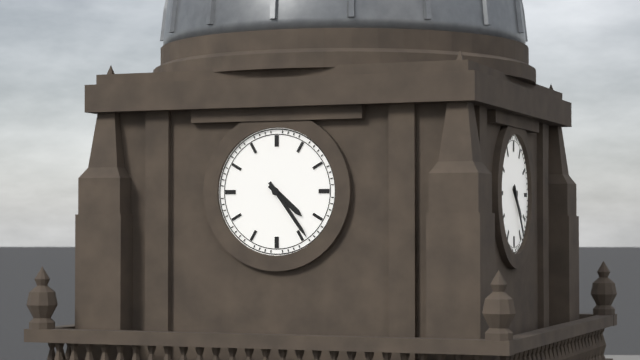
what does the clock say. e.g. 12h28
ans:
4h24
